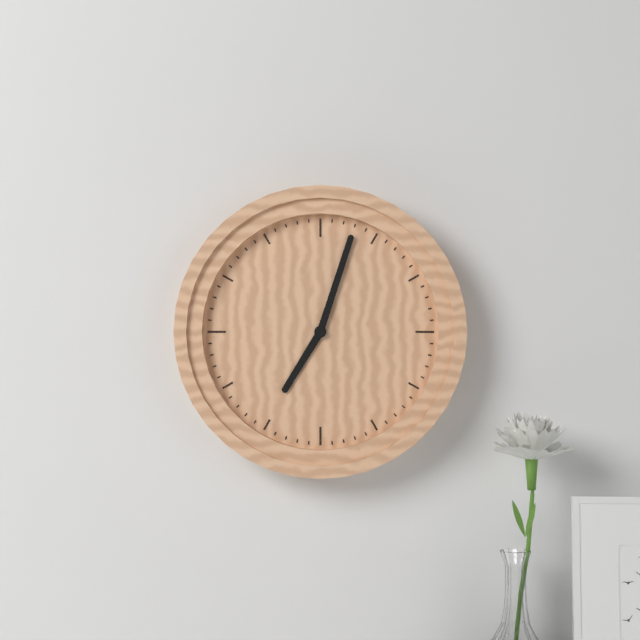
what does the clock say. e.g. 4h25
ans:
7h03
